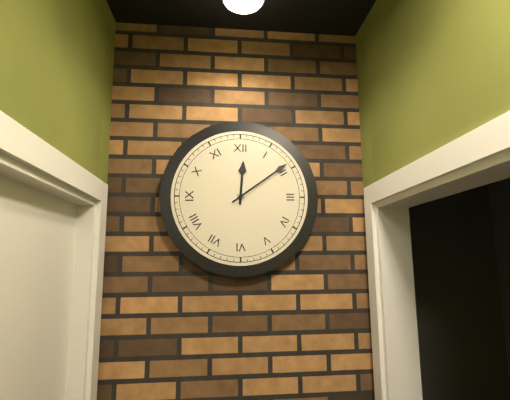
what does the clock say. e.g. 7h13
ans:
12h09
